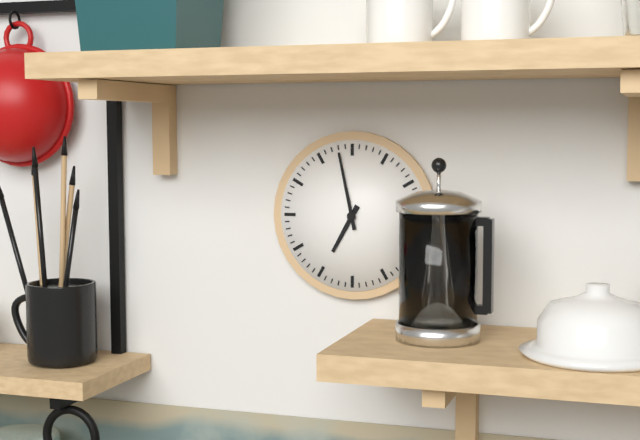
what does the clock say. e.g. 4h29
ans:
6h58
